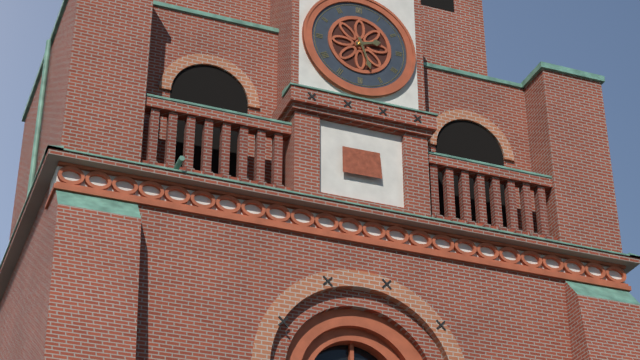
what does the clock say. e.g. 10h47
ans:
2h27
